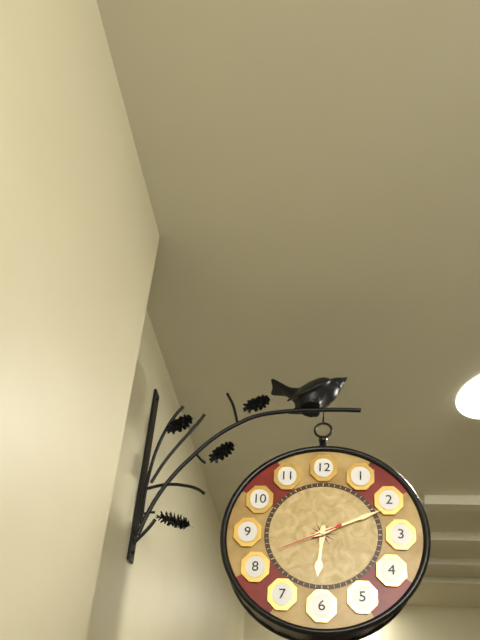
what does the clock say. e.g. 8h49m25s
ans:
6h11m41s
